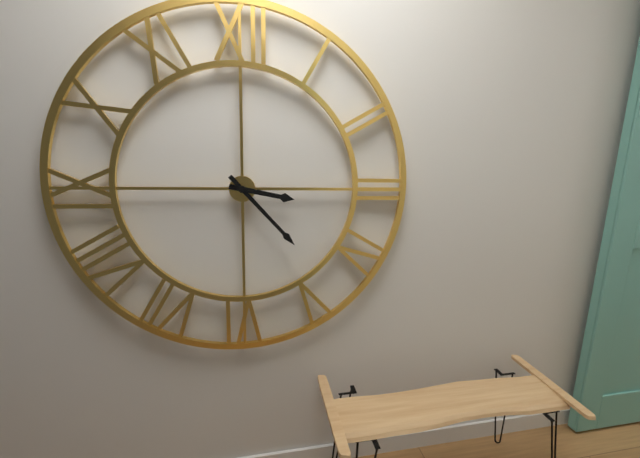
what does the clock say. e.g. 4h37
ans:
3h23
